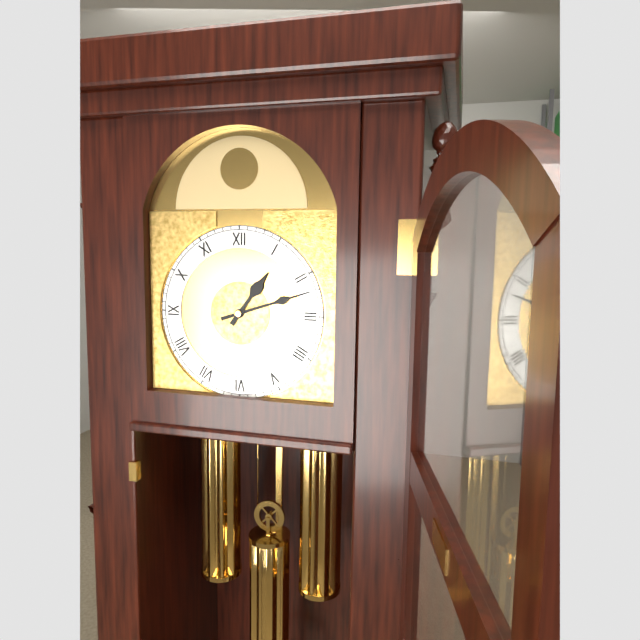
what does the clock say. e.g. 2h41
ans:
1h12
